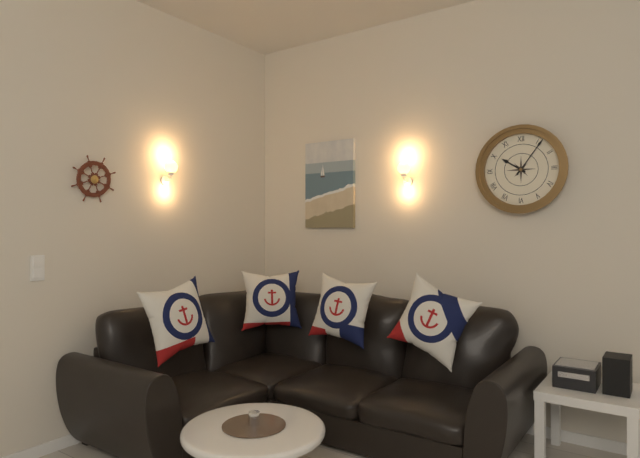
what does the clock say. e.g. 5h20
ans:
10h06
